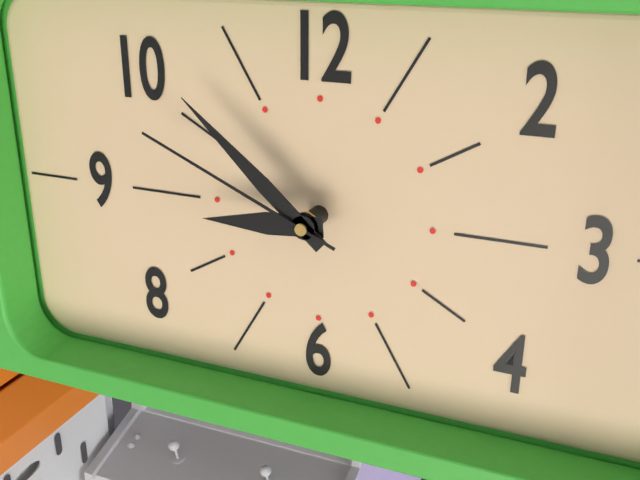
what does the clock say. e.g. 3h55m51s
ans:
8h52m49s
